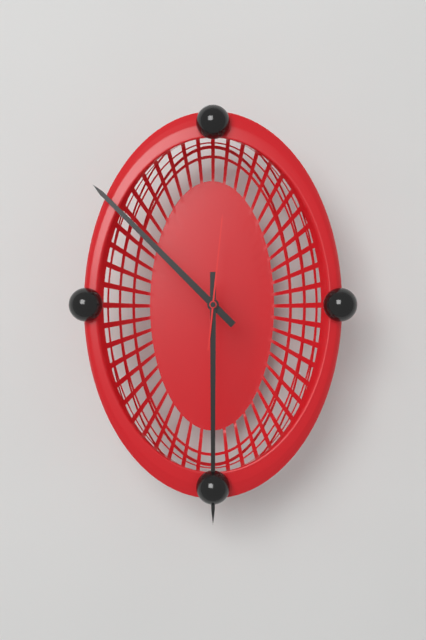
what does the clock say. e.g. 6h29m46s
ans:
10h30m01s
